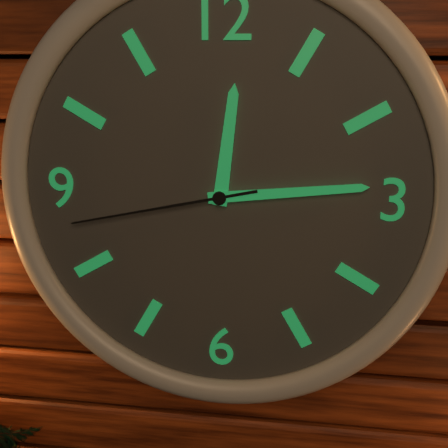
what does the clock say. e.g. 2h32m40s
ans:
12h14m43s
